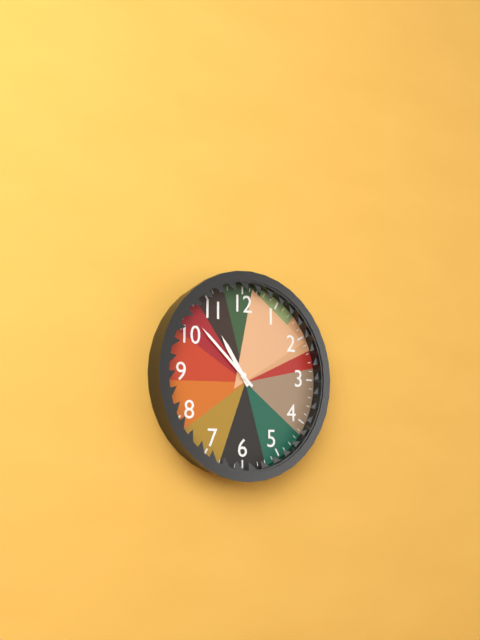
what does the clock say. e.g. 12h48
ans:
10h52
